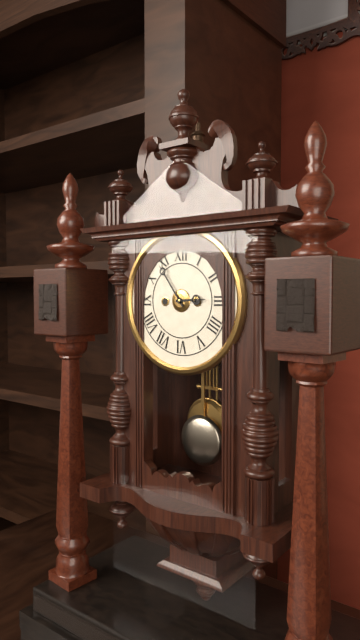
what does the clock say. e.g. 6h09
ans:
2h54
